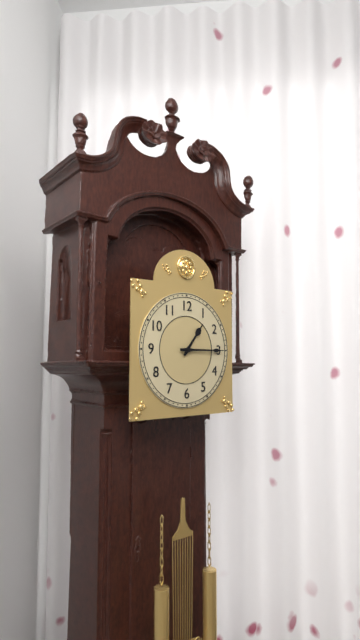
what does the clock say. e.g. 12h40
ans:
1h15
